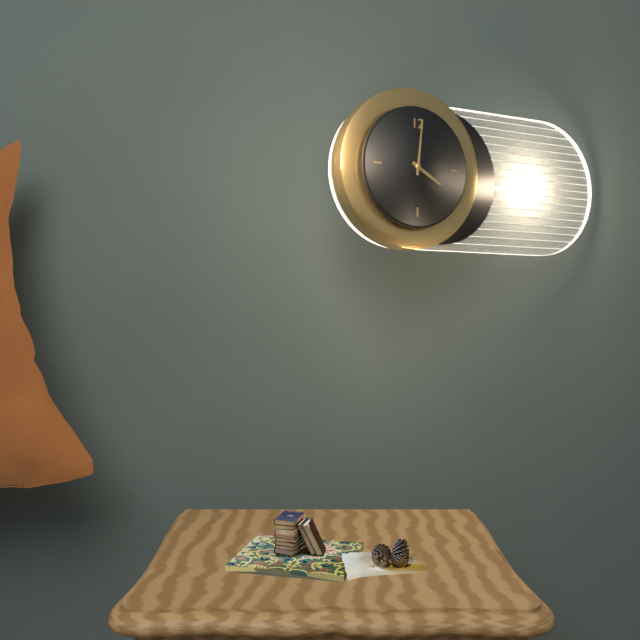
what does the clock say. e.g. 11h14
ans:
4h01
